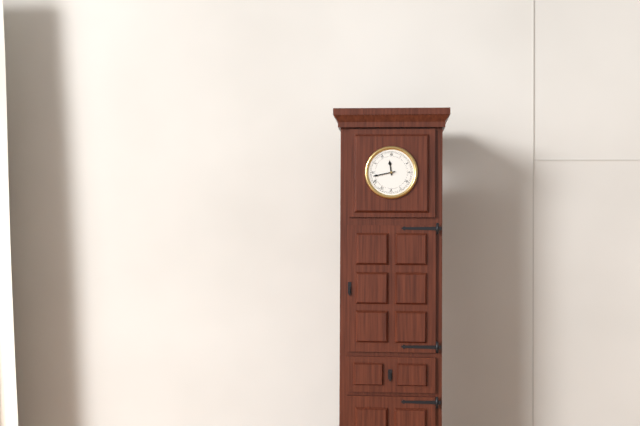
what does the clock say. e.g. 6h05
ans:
11h43
